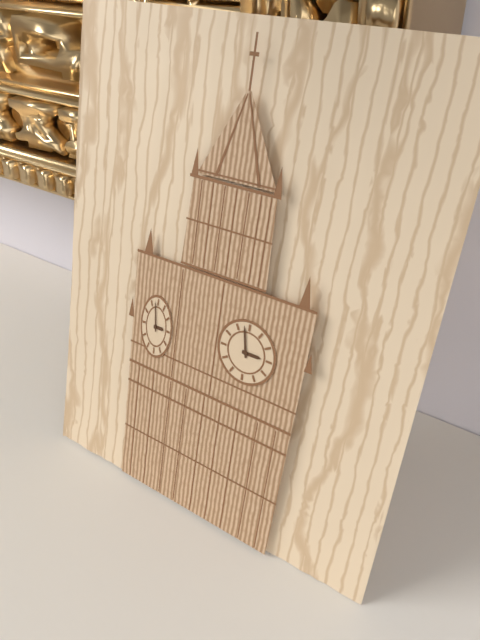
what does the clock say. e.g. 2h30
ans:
2h58
